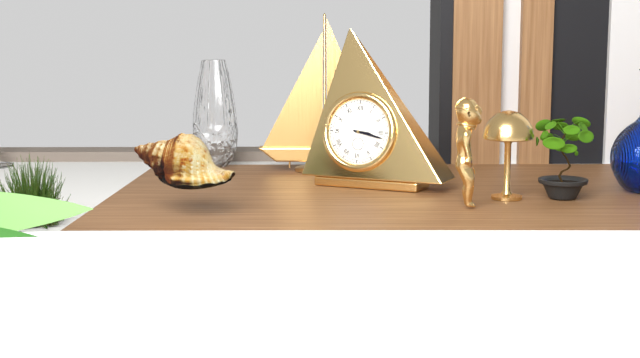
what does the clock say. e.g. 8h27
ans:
3h17
